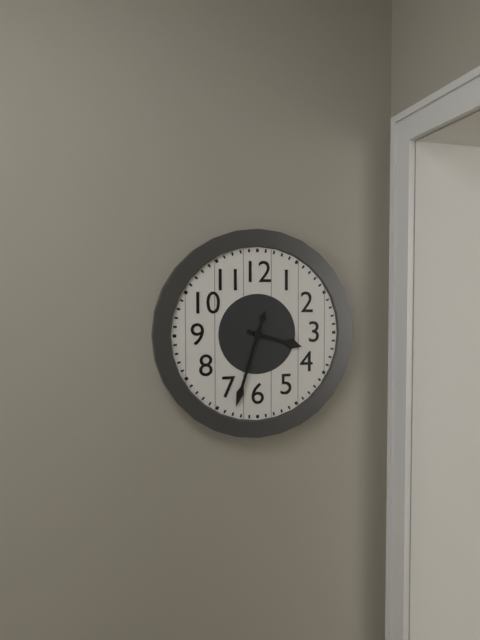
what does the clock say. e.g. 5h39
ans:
3h33
